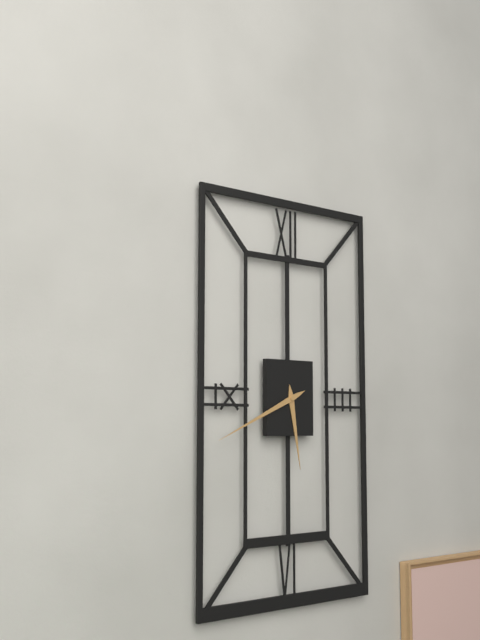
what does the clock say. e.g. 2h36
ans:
5h41
